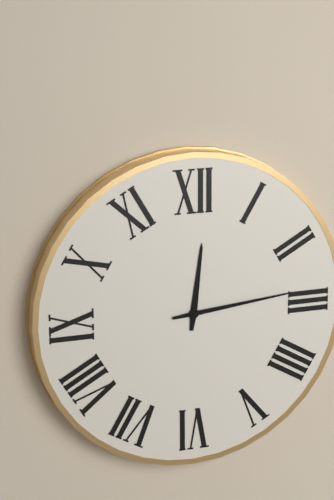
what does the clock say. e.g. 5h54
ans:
12h14
